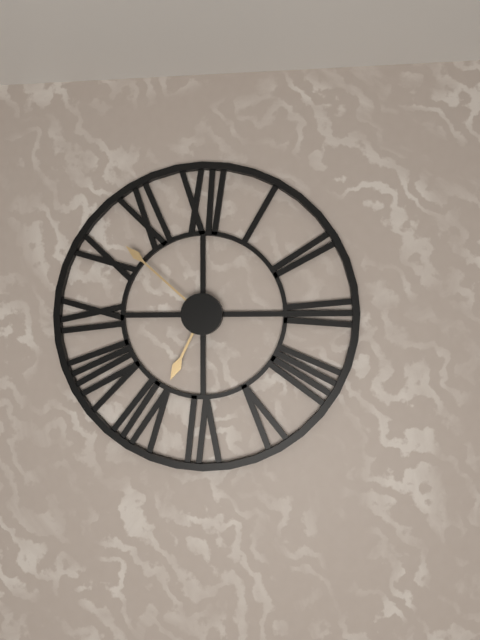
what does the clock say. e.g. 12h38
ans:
6h52
